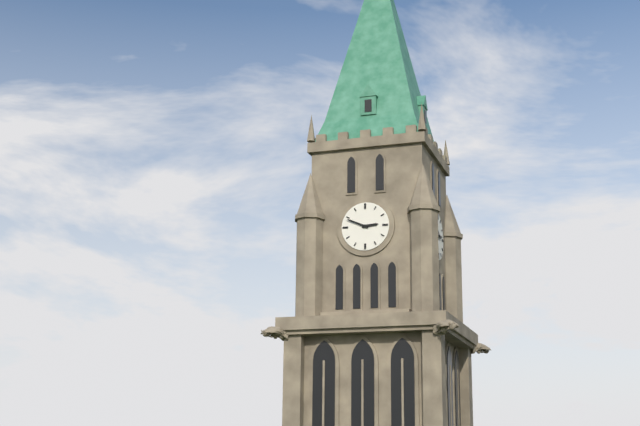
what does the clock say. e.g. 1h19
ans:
2h49
